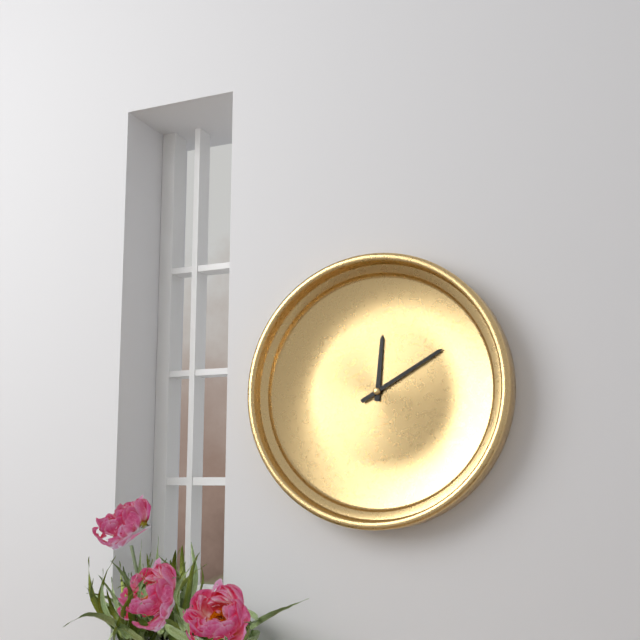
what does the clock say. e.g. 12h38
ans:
12h10
